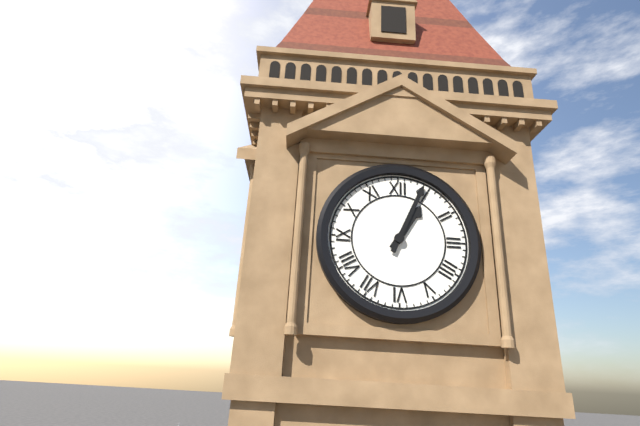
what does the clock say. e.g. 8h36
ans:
1h04
